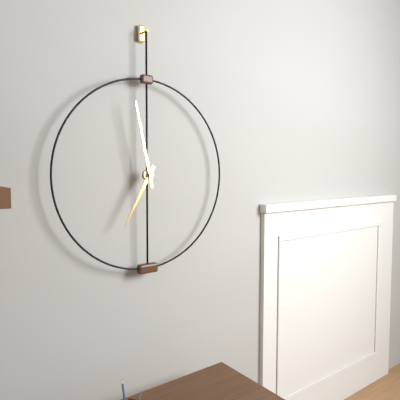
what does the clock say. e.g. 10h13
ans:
6h58
